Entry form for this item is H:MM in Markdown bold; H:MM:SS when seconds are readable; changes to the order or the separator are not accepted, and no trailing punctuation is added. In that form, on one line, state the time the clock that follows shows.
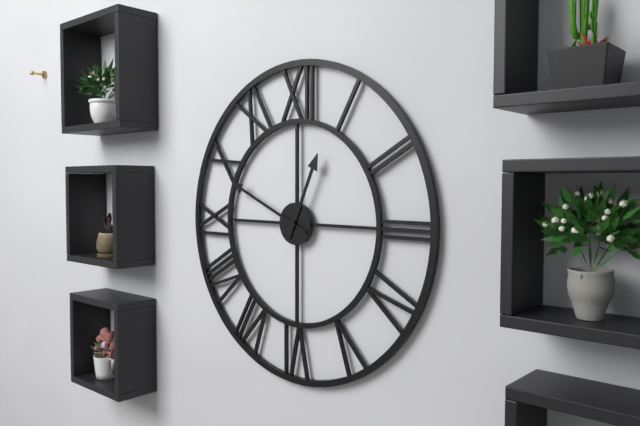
**12:49**
